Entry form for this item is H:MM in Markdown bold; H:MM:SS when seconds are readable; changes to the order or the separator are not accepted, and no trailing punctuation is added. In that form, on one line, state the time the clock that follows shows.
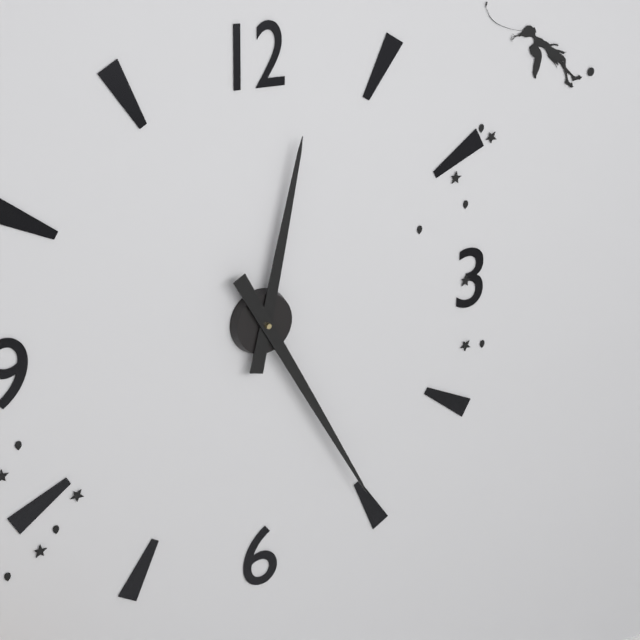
**12:25**
